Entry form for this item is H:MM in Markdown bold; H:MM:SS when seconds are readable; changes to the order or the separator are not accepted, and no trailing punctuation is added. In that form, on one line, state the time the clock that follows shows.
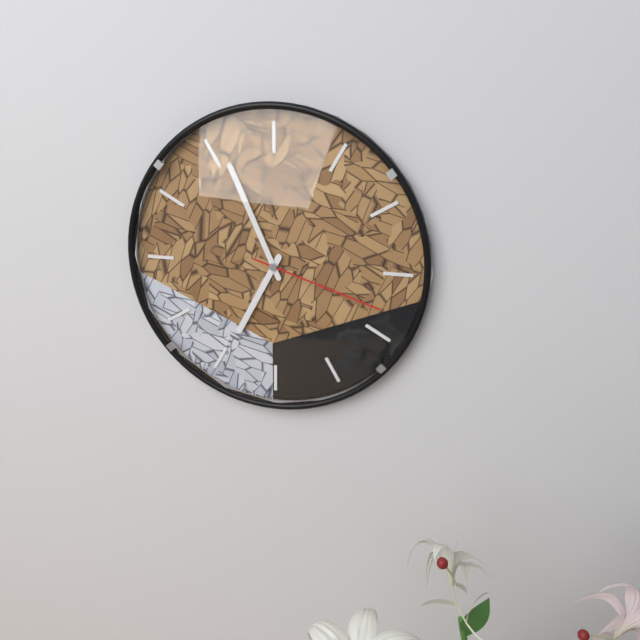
**6:56:18**
